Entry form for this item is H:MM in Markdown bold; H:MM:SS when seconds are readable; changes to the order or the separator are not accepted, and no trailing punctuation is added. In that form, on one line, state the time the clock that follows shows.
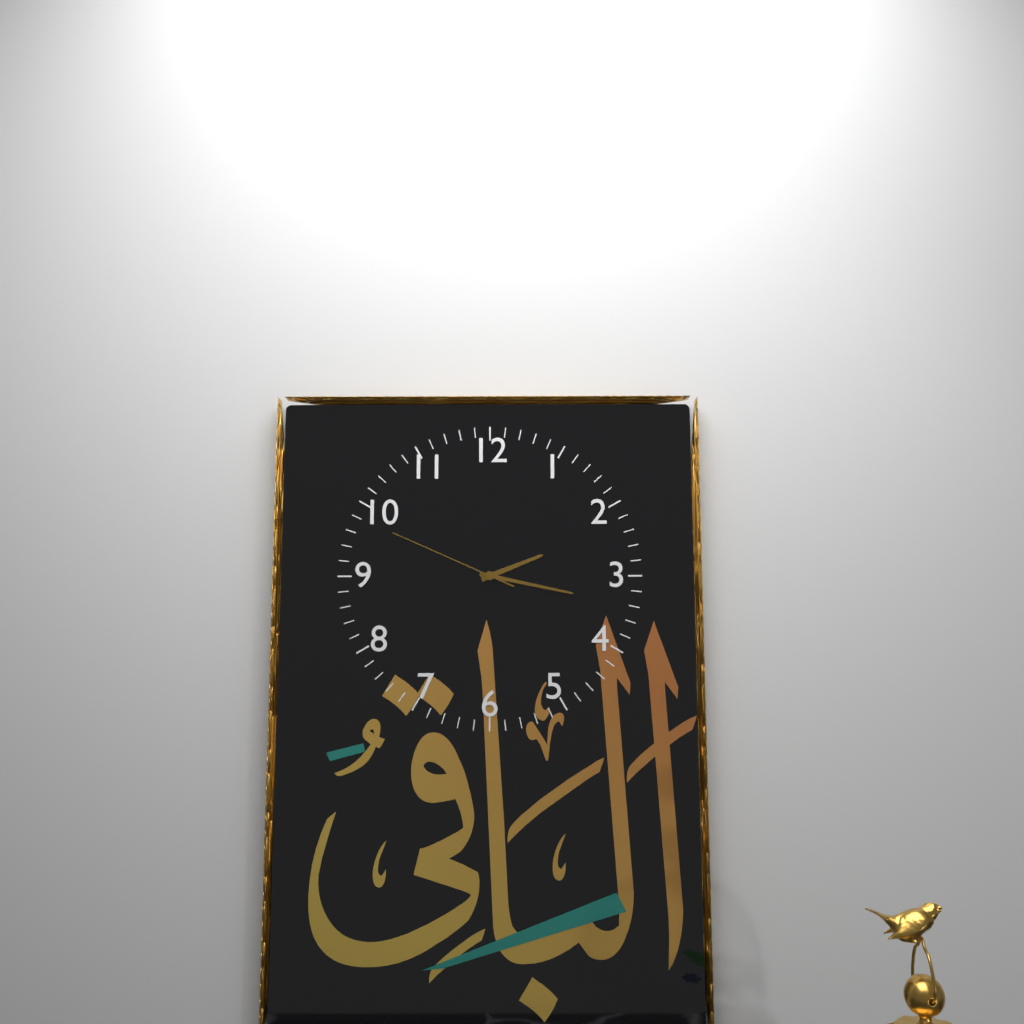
**2:17:49**
